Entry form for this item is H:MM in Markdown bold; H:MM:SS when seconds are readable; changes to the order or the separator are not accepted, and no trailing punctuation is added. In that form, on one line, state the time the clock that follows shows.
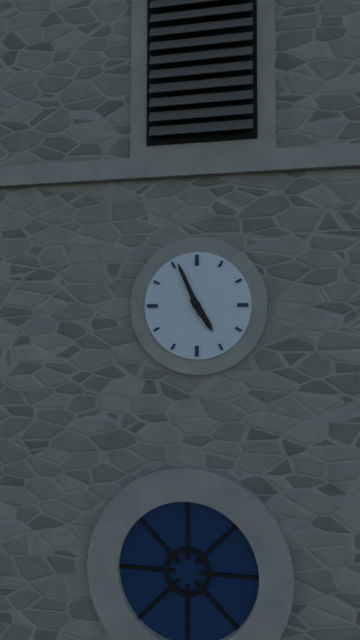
**4:56**
